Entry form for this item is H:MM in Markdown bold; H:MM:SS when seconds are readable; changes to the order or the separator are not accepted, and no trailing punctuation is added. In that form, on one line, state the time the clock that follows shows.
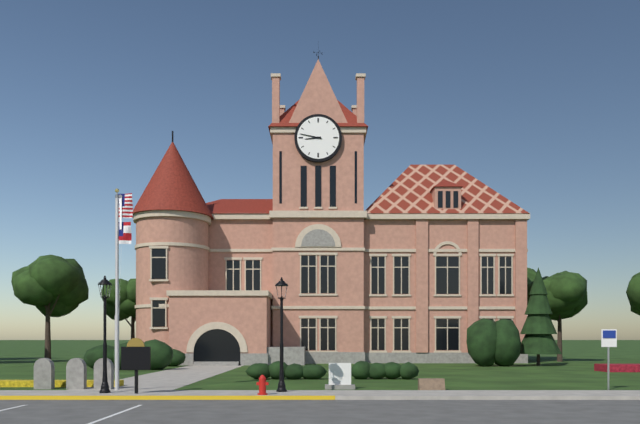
**8:47**
